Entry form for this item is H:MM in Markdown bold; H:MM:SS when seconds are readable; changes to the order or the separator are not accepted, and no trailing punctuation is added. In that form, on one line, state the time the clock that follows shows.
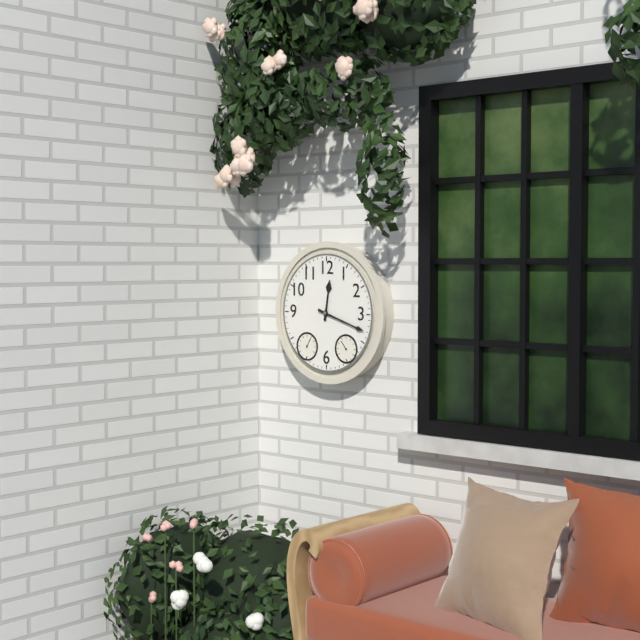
**12:18**
